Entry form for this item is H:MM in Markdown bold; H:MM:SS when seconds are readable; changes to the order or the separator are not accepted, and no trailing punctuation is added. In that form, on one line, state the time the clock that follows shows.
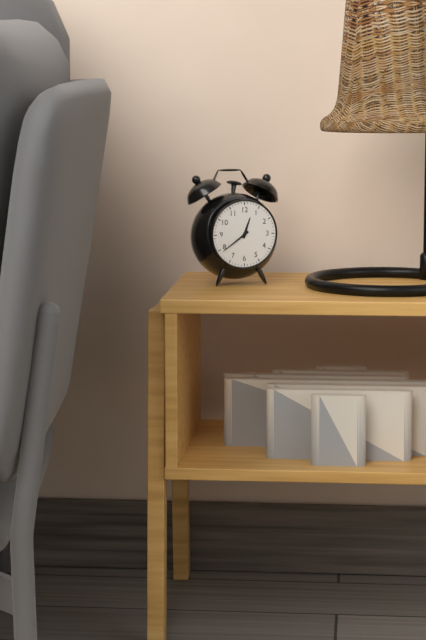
**12:39**
